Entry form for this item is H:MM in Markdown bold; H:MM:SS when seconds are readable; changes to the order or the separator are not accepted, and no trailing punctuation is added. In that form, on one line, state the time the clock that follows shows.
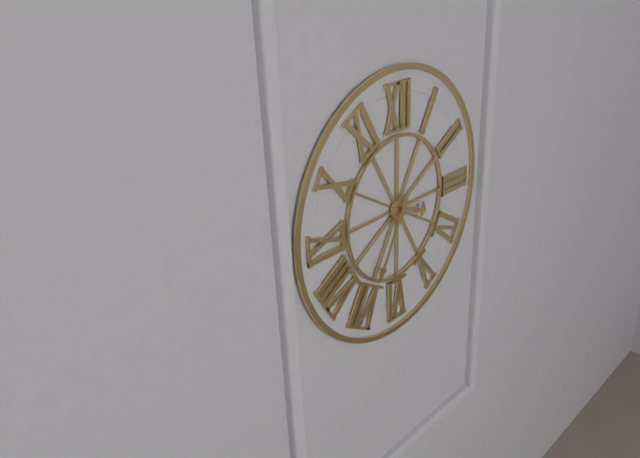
**3:35**
